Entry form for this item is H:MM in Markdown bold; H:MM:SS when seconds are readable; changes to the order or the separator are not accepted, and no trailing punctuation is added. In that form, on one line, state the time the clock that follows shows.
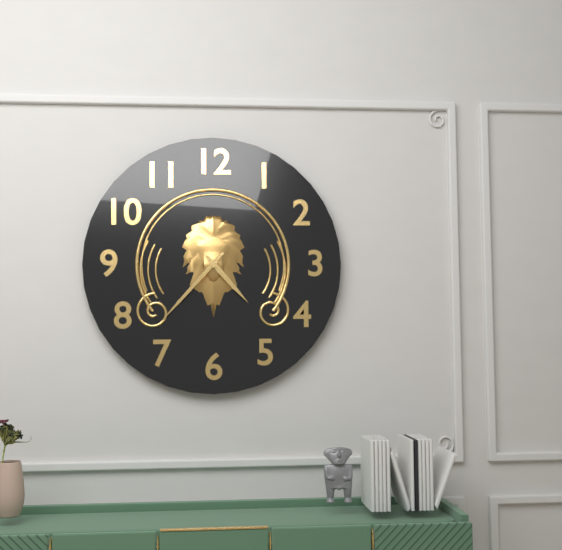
**4:37**
